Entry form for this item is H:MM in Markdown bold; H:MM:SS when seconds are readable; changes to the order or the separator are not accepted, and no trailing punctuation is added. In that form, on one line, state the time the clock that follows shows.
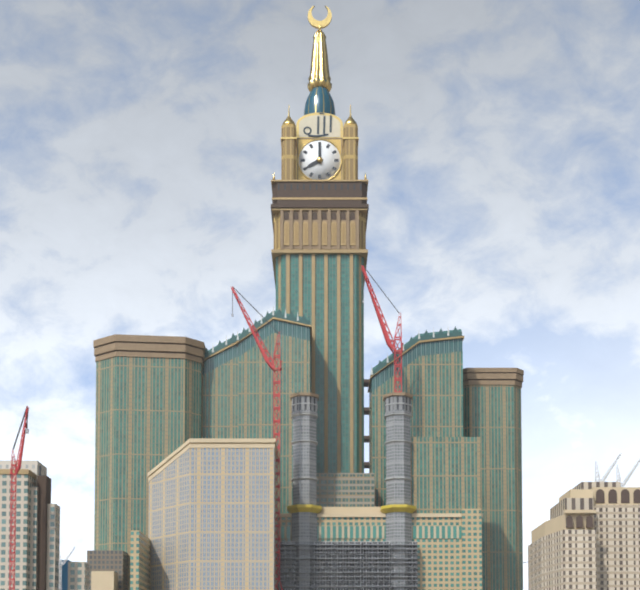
**8:00**
